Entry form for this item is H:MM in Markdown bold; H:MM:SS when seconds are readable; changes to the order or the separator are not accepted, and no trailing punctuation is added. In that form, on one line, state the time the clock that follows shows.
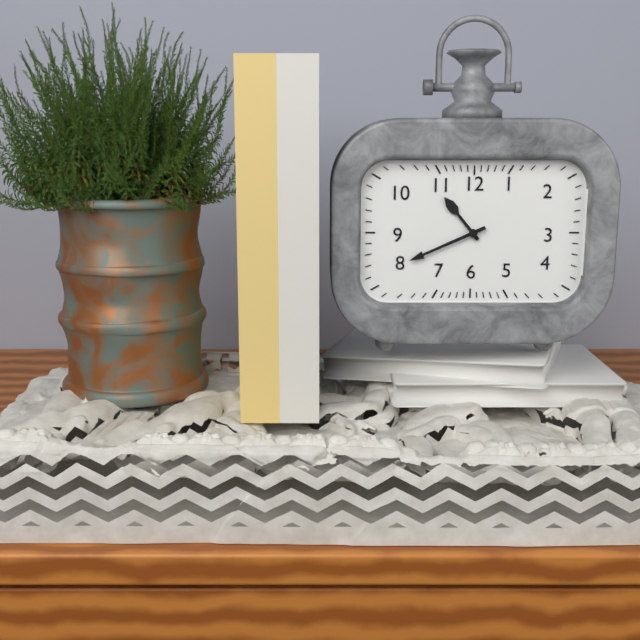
**10:41**
